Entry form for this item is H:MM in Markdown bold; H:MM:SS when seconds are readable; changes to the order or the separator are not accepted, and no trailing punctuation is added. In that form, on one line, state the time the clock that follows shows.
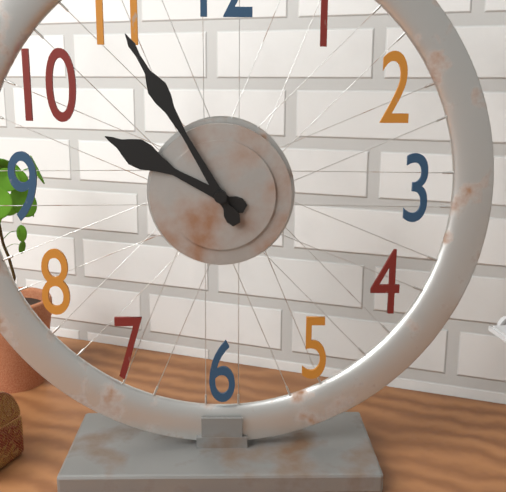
**9:55**
